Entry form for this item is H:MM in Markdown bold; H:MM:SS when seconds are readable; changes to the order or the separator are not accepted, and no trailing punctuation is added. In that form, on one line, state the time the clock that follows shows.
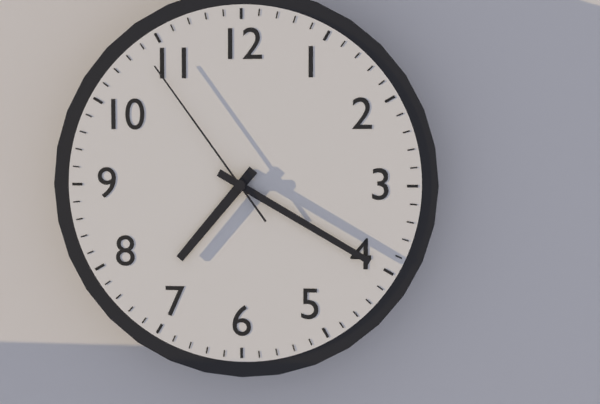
**7:20:54**
